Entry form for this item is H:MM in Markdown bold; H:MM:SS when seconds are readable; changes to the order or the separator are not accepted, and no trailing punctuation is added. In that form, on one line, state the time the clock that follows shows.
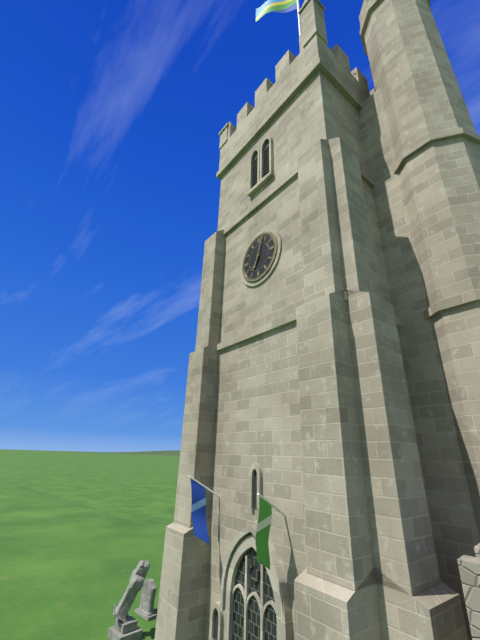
**7:03**
